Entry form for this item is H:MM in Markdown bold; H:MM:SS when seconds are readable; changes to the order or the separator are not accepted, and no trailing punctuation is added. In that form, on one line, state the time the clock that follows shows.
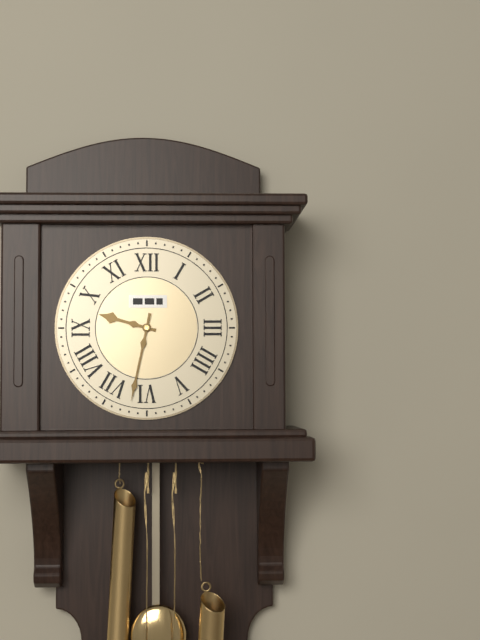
**9:32**
